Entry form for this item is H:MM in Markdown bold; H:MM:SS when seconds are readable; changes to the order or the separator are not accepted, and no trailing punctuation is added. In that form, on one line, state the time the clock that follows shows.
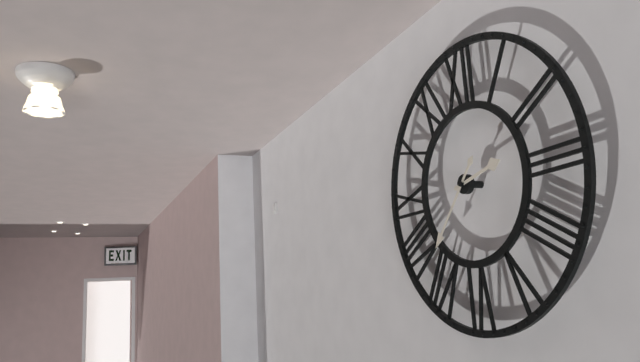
**2:37**
